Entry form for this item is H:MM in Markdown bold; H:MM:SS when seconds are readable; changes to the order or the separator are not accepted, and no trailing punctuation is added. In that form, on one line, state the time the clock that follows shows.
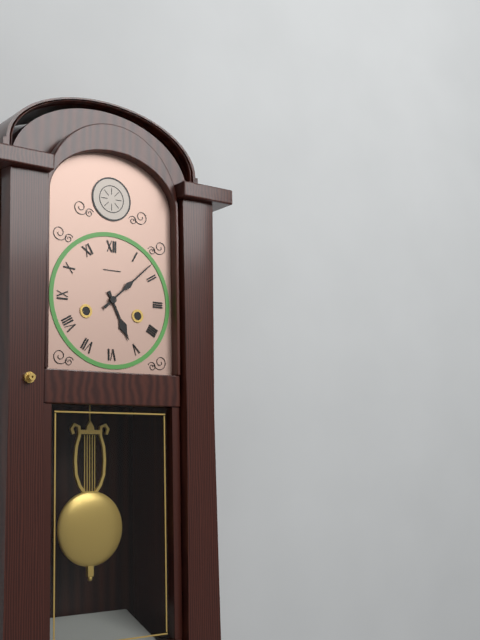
**5:08**
